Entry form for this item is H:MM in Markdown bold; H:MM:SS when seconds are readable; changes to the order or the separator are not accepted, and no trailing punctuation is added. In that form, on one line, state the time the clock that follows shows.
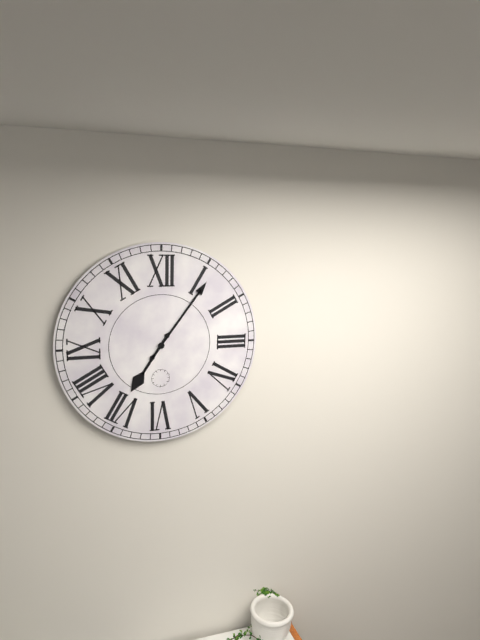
**7:06**
